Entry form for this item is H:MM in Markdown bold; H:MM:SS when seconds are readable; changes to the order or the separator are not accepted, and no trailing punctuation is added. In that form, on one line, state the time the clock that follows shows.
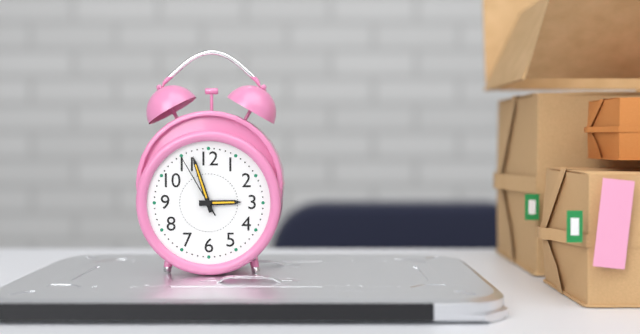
**2:57:55**
